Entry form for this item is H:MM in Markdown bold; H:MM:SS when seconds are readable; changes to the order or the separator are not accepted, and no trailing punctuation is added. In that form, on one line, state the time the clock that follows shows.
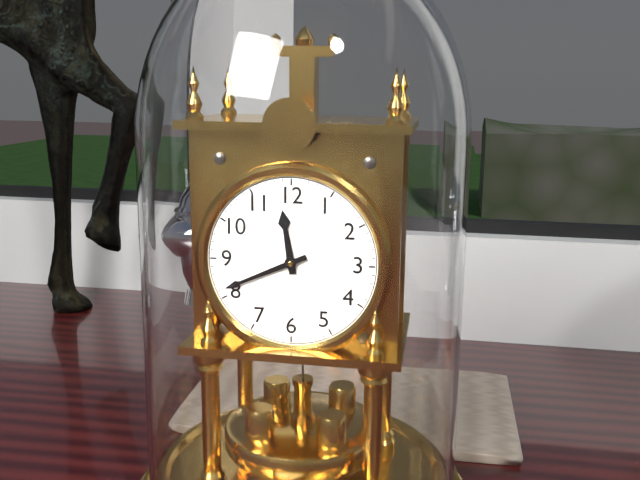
**11:41**
